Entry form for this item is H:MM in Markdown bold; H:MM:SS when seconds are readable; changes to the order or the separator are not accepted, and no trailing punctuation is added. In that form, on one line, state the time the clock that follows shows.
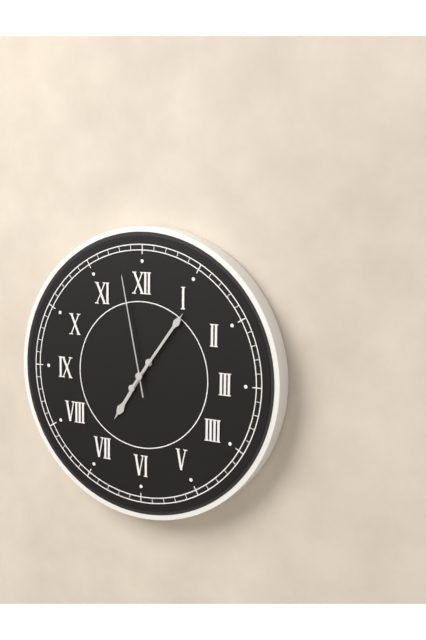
**7:06:58**
